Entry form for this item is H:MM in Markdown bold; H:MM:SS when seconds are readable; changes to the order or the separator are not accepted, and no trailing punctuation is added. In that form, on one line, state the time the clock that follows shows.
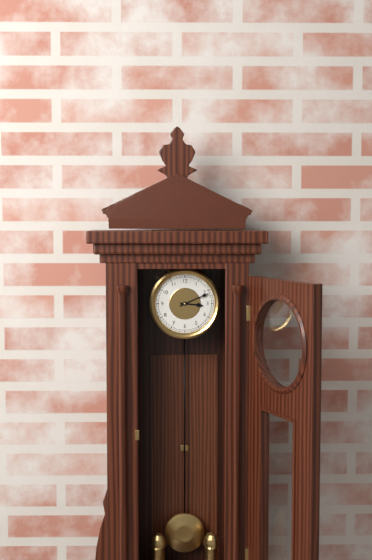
**3:11**
